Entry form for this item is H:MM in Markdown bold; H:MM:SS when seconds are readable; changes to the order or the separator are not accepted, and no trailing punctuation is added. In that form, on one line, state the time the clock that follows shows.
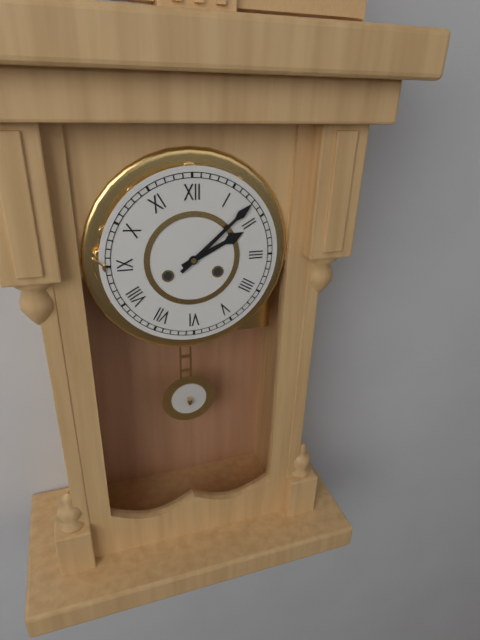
**2:08**
